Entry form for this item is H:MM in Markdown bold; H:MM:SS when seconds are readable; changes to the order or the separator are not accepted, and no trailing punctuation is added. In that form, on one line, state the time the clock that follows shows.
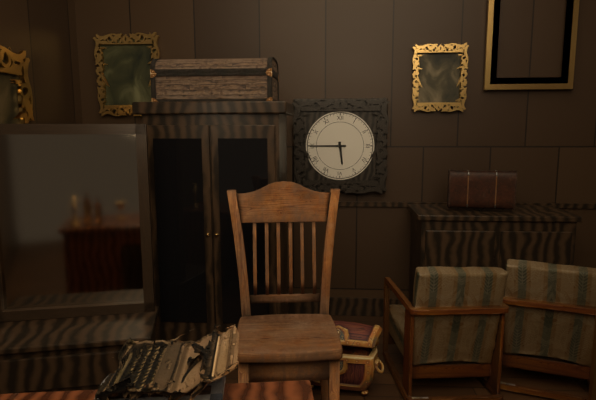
**5:45**
